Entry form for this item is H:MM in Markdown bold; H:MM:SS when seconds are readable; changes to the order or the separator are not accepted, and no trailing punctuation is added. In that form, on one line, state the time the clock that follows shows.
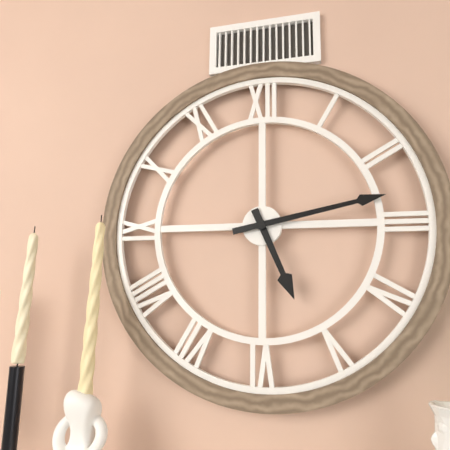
**5:13**
